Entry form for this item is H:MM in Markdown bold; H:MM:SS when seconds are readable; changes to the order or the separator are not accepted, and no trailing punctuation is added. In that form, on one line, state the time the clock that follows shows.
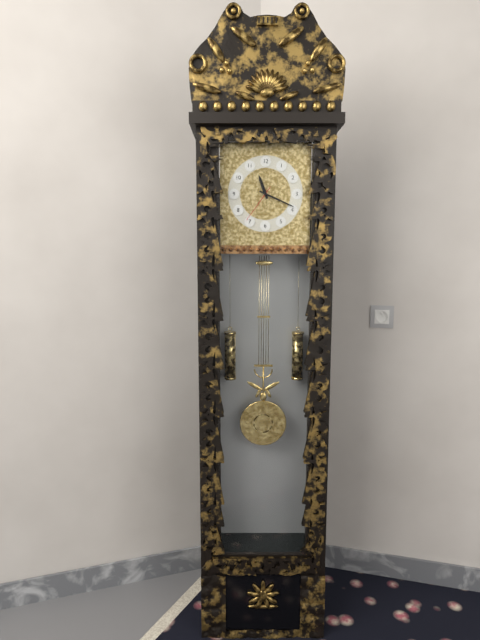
**11:19**
